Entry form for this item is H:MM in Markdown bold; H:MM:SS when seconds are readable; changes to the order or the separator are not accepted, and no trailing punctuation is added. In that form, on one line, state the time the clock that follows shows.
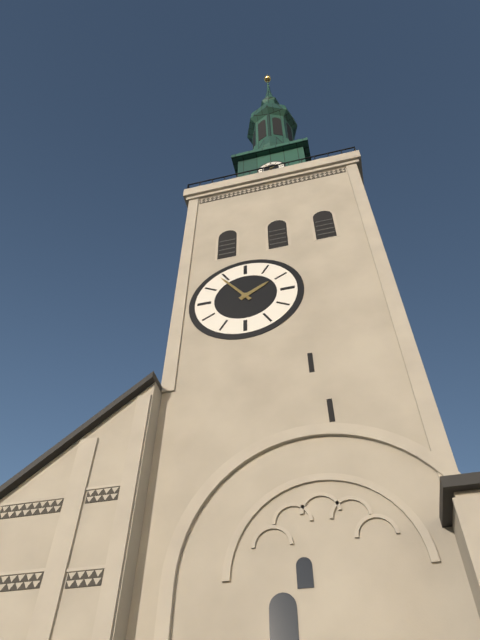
**1:54**
